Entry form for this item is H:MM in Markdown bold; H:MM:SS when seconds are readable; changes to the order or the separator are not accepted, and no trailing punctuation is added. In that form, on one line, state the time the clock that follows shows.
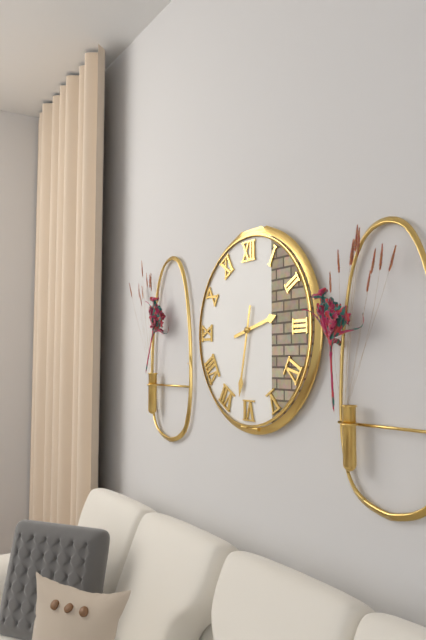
**2:32**
